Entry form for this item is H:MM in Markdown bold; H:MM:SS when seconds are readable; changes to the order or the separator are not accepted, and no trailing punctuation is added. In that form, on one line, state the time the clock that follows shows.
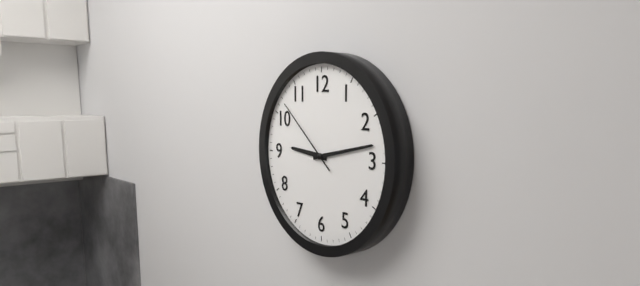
**9:13:52**
